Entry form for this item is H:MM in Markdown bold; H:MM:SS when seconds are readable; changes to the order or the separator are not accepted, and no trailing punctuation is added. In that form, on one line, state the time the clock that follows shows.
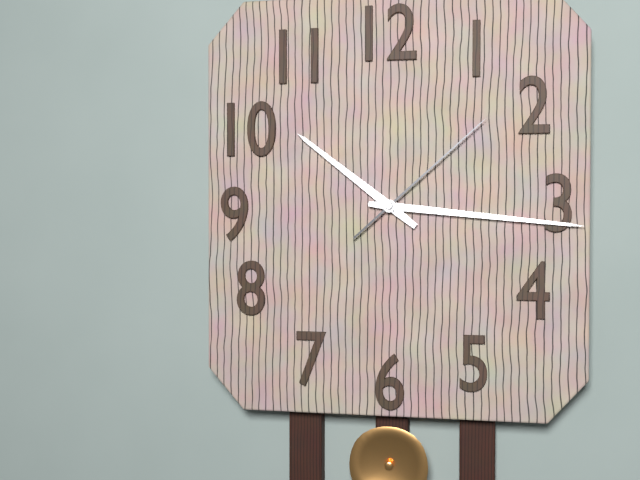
**10:16:08**
